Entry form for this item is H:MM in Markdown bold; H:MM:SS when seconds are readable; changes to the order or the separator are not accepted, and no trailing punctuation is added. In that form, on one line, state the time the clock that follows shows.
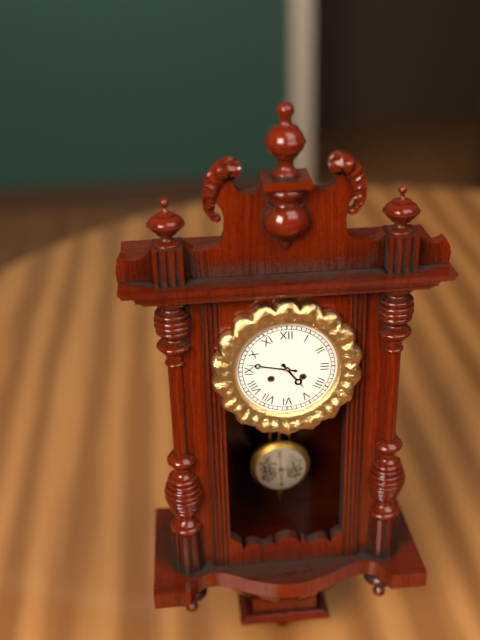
**4:47**
